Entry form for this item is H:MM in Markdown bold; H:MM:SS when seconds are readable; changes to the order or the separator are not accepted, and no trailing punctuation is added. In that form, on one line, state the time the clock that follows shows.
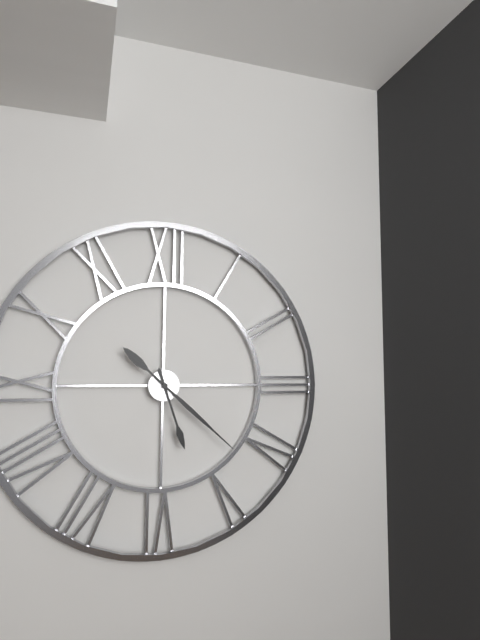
**5:22**
